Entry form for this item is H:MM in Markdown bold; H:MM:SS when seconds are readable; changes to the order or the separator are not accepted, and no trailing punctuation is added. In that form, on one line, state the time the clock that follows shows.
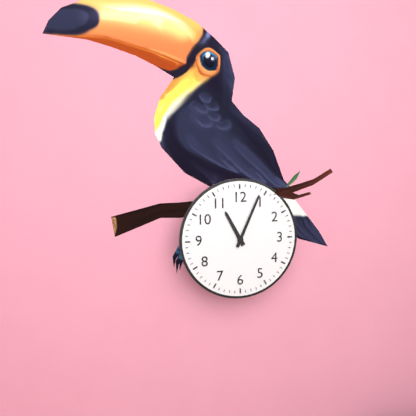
**11:04**
